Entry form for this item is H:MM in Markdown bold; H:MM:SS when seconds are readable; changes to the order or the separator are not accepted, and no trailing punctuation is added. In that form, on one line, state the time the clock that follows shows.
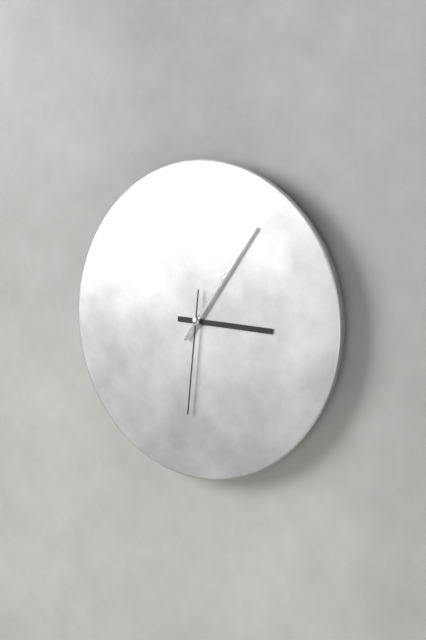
**3:06:31**
